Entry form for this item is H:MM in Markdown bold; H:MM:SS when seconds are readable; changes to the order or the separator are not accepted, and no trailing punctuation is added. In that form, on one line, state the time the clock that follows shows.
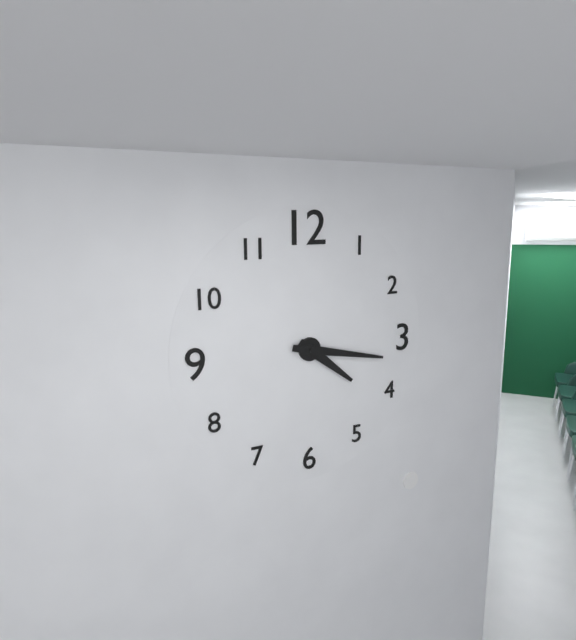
**4:17**
